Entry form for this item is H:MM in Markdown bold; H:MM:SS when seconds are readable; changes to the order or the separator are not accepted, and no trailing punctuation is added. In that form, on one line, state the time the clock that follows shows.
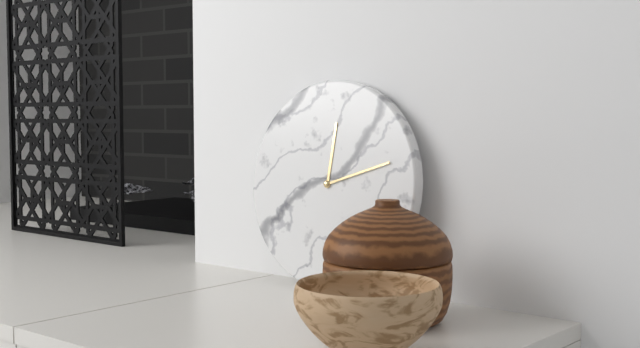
**12:12**
